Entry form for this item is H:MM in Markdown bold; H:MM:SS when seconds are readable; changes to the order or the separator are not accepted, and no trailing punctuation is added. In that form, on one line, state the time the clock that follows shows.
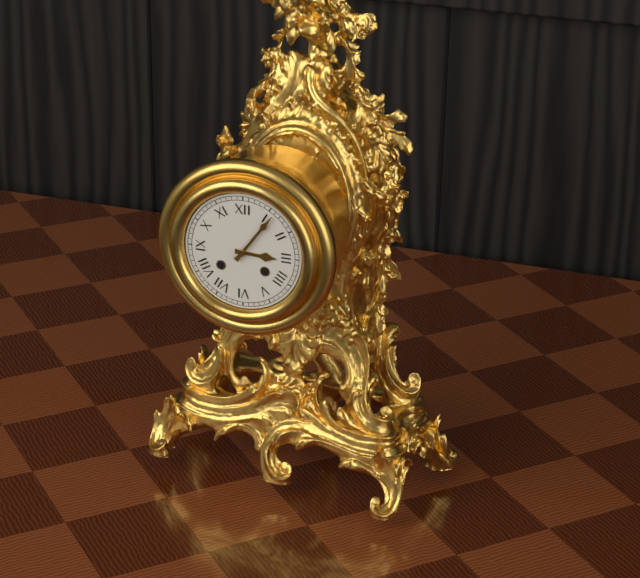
**3:06**
